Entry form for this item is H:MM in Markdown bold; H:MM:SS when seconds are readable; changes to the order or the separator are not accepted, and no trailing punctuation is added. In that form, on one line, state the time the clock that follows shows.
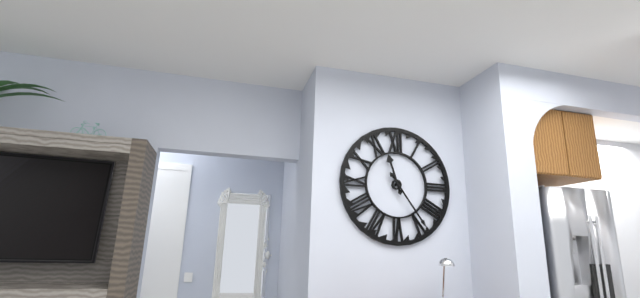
**11:24**
